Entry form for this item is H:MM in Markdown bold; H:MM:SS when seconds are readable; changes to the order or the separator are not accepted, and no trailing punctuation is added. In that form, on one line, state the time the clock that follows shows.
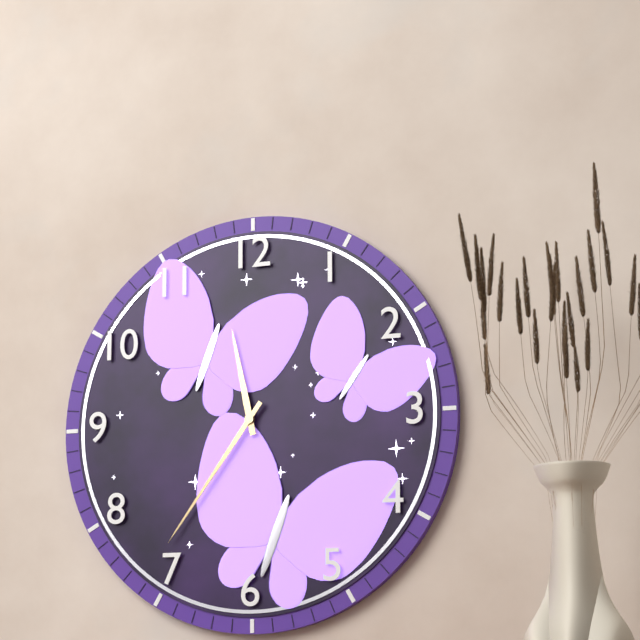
**11:36**
